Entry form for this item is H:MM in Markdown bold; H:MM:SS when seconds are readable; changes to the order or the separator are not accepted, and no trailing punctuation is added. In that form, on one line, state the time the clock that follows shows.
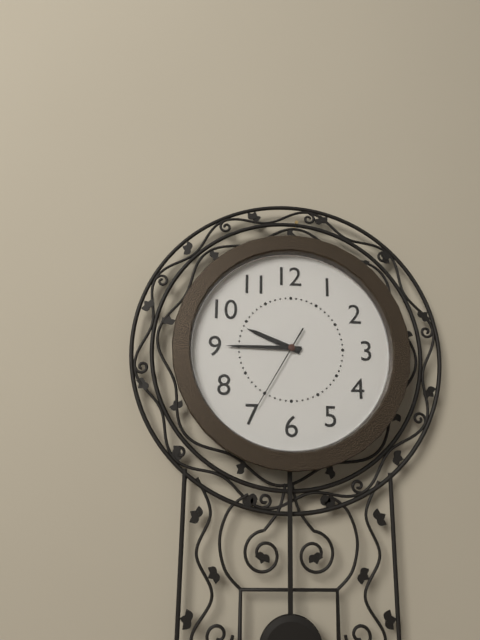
**9:45:35**
